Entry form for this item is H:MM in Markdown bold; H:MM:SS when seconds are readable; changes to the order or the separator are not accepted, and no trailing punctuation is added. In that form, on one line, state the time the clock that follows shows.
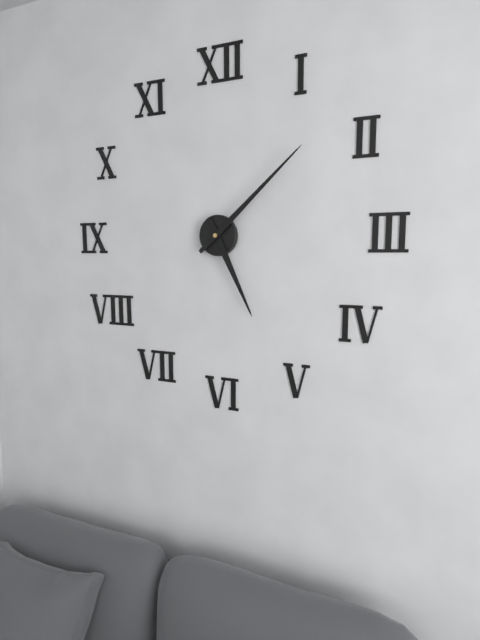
**5:08**
